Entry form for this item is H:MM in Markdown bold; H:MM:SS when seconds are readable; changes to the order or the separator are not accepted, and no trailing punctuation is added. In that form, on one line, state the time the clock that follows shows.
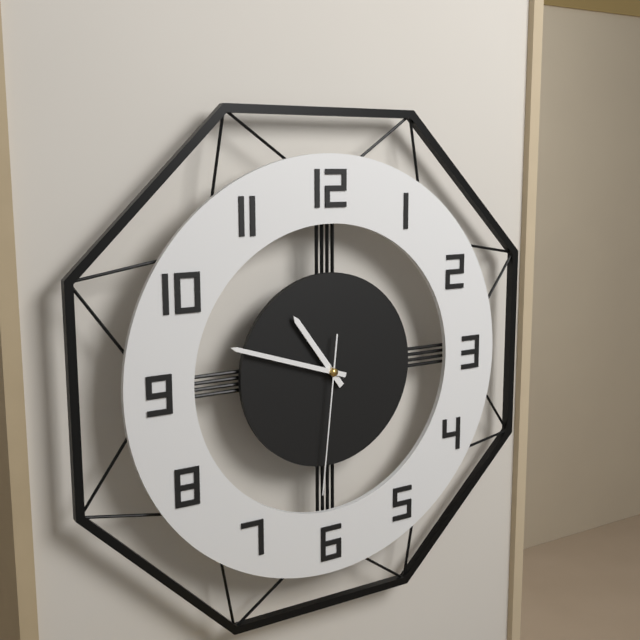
**10:48:31**
